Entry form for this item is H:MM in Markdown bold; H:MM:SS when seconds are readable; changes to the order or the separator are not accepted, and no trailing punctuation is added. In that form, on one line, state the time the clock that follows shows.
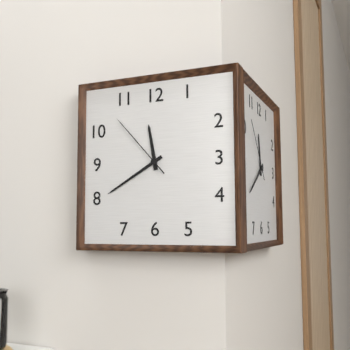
**11:40:53**
